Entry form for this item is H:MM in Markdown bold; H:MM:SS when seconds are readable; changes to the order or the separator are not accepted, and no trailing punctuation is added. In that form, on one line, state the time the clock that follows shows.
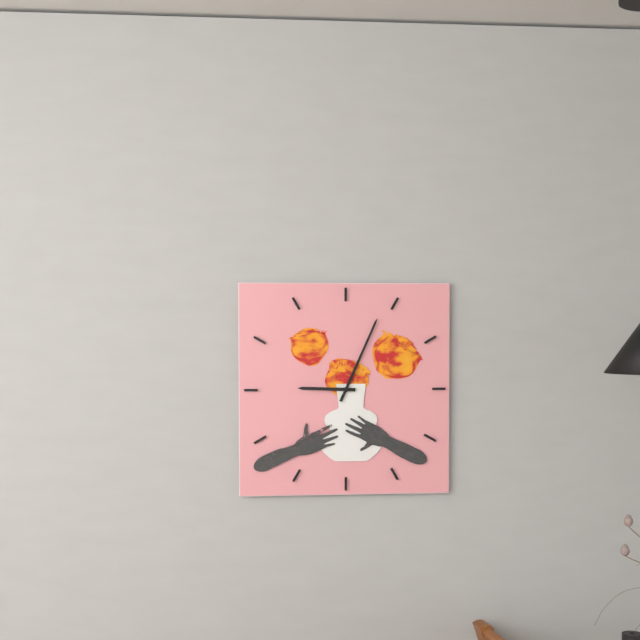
**9:04**
